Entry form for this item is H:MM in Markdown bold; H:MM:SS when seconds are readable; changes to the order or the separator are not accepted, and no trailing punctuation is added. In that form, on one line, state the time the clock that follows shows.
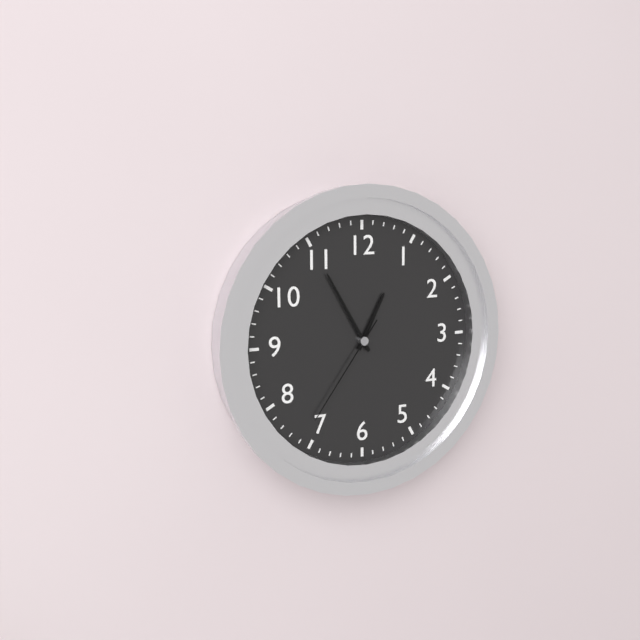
**12:55:36**
